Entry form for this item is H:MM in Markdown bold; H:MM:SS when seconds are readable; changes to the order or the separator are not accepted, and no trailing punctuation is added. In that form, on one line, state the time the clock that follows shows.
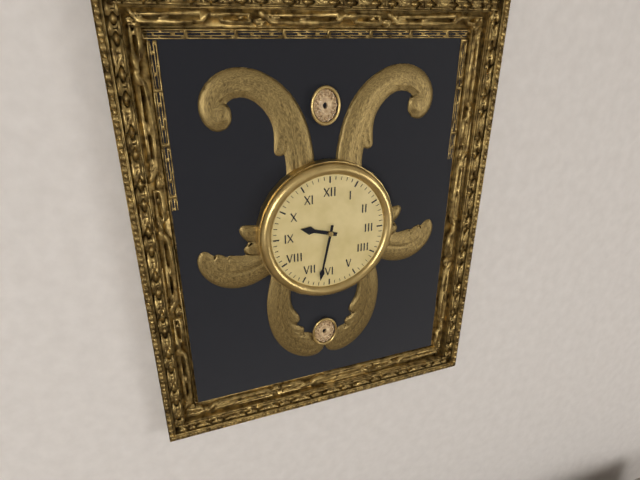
**9:32**
